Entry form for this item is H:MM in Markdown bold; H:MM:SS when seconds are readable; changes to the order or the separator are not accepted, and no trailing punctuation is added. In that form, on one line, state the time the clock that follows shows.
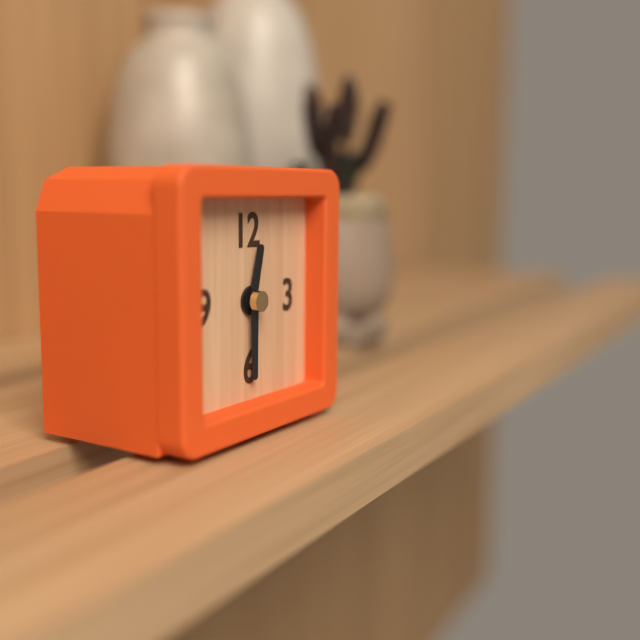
**12:30**
